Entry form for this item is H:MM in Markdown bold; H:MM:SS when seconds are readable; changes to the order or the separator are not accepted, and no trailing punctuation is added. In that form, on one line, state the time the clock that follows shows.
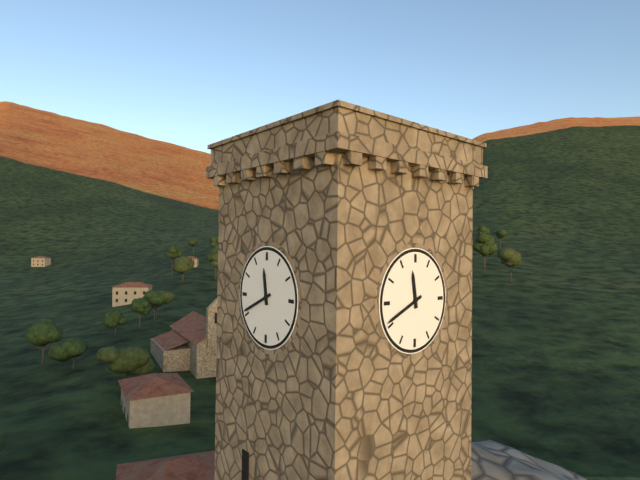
**11:41**
